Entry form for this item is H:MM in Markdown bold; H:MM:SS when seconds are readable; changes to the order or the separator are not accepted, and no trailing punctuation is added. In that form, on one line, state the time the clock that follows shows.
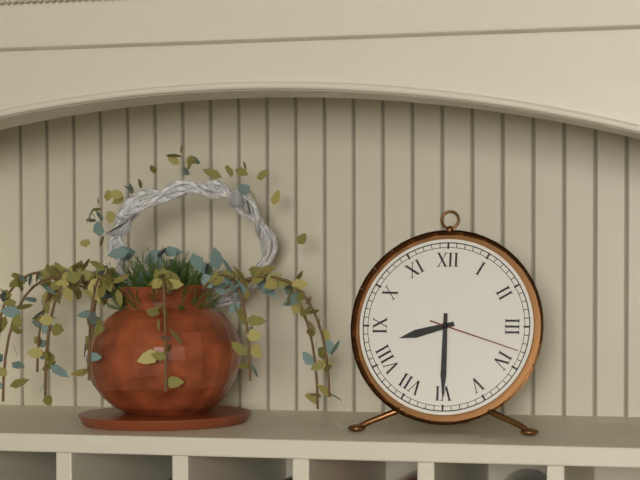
**8:30:18**
